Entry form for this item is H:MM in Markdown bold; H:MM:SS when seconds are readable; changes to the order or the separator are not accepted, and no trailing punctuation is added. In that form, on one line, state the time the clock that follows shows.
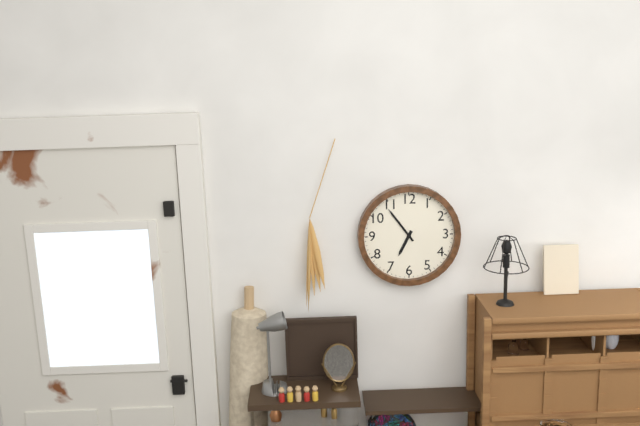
**6:54**
